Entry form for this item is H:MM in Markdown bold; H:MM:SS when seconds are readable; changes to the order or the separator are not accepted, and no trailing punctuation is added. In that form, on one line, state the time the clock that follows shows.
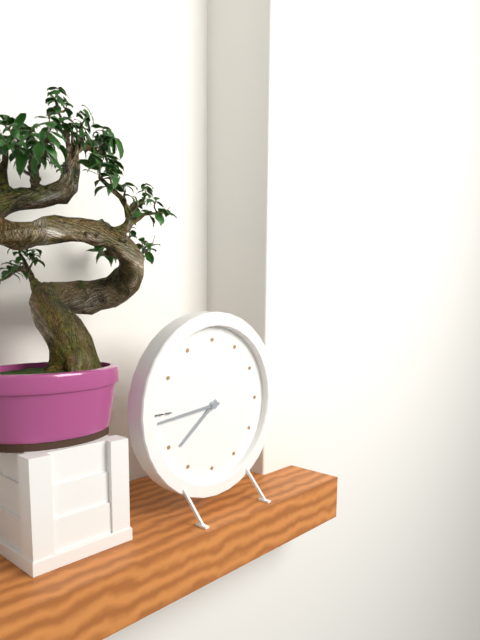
**7:44**
